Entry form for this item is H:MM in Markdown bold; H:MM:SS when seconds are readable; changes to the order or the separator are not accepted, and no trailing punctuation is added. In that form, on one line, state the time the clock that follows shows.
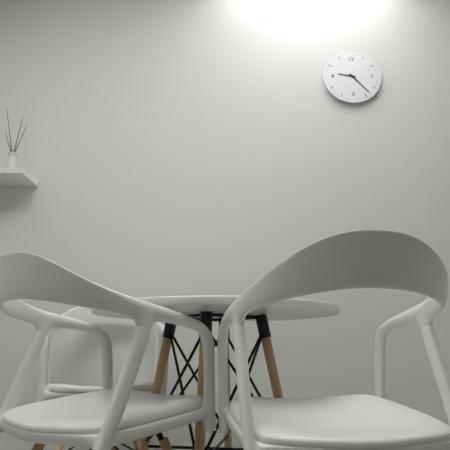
**9:23**
